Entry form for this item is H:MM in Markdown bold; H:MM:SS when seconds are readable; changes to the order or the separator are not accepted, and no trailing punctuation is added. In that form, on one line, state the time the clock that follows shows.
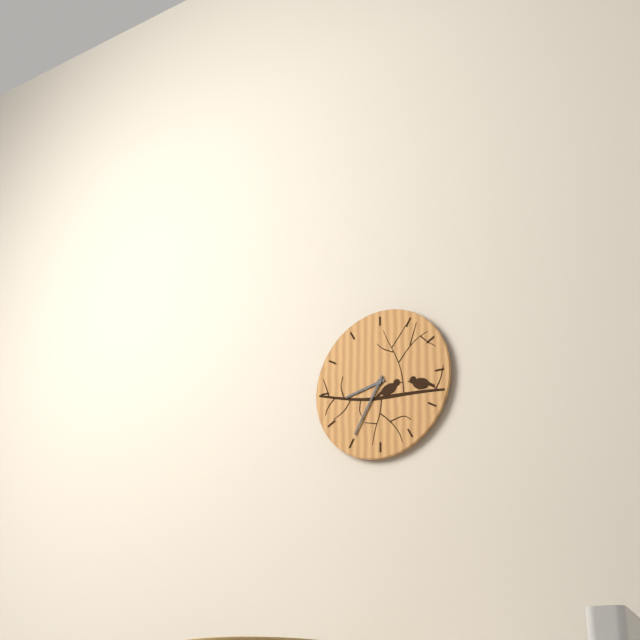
**8:35**
